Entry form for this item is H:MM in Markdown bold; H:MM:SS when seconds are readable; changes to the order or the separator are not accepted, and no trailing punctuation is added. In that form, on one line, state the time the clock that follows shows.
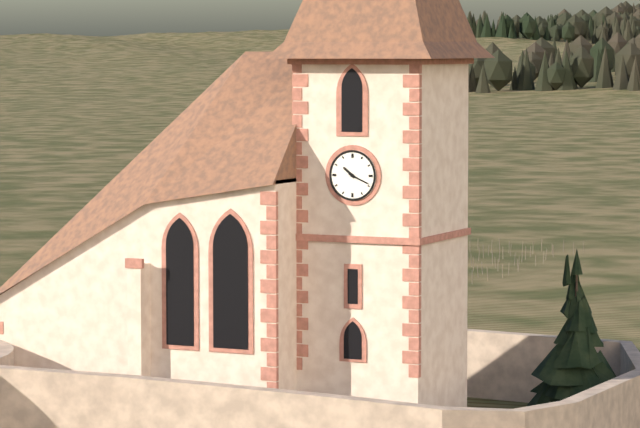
**10:19**
